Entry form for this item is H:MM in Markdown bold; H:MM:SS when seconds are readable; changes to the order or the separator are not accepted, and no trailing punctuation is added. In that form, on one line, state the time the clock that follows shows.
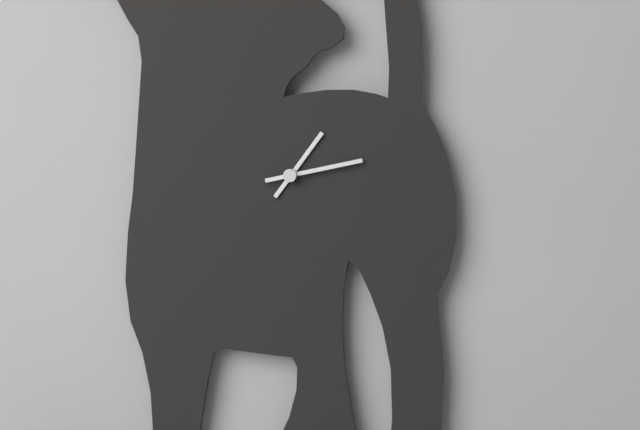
**1:13**
